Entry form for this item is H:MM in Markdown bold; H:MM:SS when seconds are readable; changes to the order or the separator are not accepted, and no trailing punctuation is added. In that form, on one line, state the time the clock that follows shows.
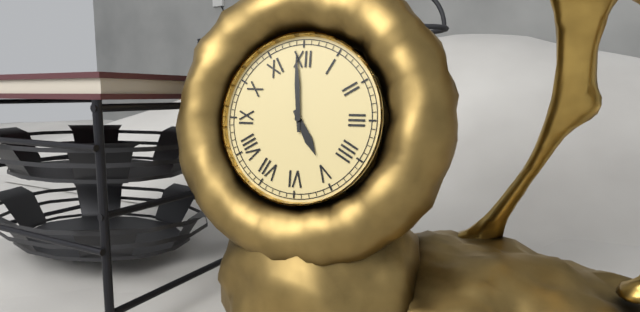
**4:59**
